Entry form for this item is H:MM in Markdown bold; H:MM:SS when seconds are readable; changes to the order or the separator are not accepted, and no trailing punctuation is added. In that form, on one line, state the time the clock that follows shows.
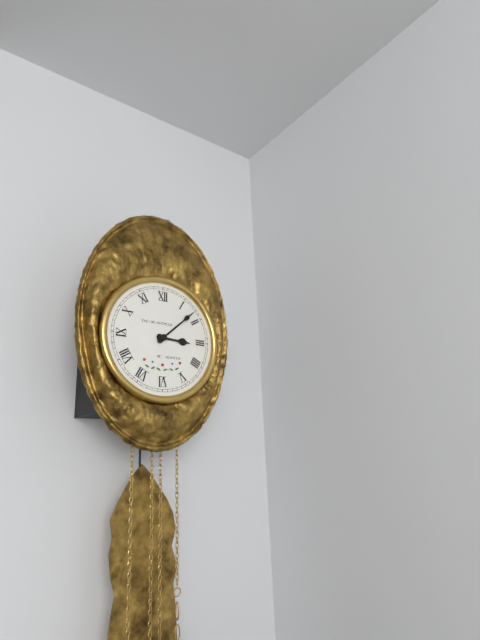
**3:08**
